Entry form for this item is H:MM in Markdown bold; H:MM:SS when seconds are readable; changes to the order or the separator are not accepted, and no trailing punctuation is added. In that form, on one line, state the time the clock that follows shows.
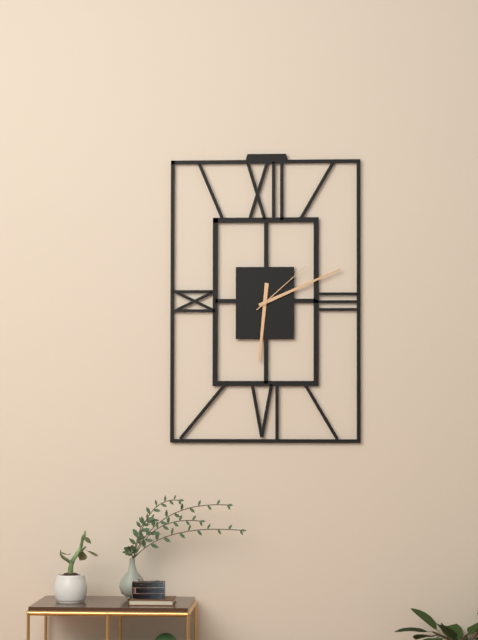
**6:11:08**
